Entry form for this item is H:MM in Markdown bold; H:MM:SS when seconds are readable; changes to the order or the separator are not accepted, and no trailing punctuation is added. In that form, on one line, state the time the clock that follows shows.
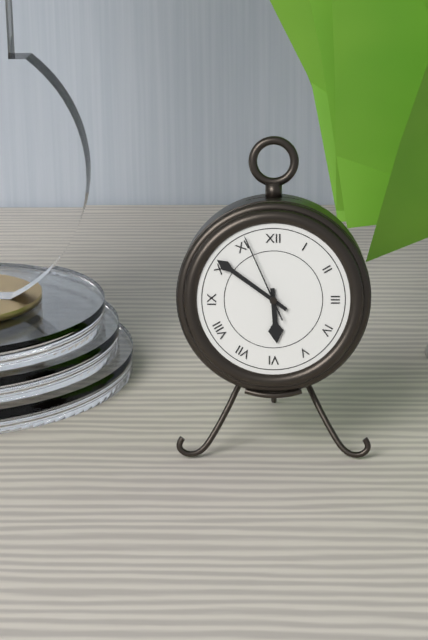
**5:51:56**
